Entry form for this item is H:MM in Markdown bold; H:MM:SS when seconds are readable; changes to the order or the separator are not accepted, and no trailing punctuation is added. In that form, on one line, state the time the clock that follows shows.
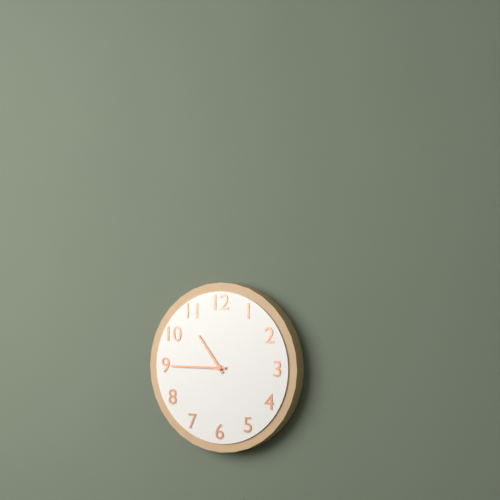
**10:45**
